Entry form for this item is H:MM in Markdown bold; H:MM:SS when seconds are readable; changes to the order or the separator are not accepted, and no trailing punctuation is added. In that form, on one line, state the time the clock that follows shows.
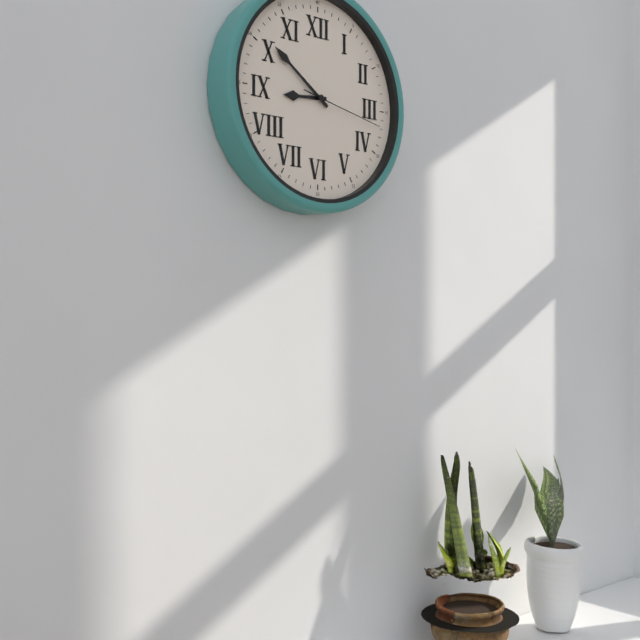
**8:51:17**
